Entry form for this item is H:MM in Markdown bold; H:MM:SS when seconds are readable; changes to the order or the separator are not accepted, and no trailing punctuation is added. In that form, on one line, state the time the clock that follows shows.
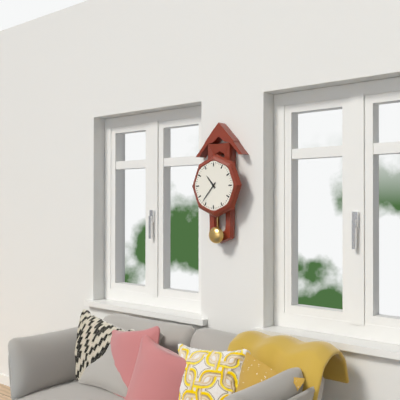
**10:37**
